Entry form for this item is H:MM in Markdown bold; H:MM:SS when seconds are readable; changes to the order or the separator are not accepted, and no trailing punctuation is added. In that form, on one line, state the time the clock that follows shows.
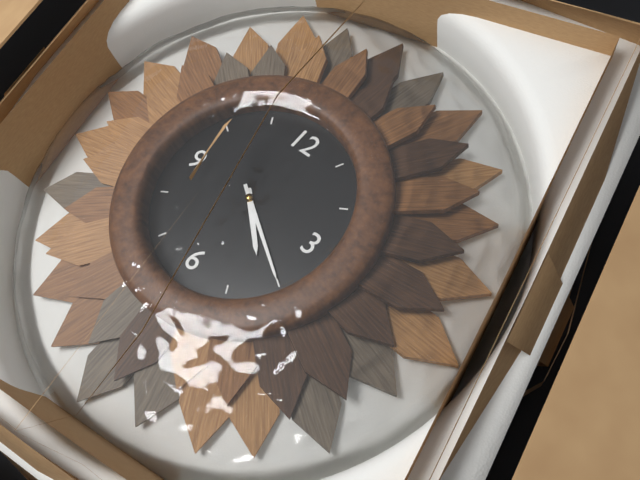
**4:20**
